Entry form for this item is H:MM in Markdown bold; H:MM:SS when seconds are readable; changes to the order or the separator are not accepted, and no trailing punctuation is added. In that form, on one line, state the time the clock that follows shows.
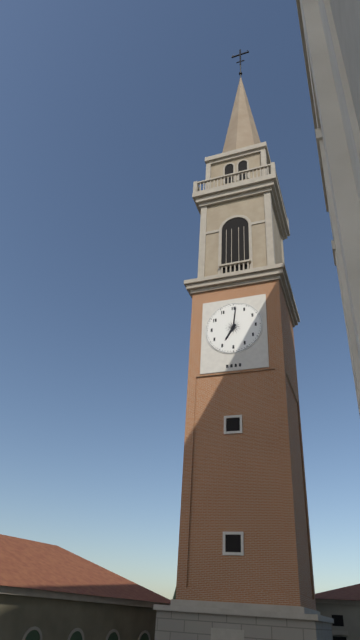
**7:01**
